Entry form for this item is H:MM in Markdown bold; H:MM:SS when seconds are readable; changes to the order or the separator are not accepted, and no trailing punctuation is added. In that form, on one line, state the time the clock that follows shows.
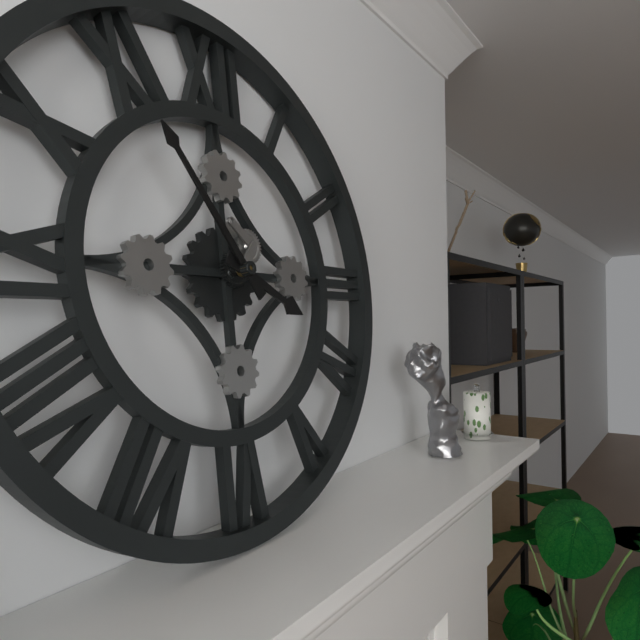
**3:54**
